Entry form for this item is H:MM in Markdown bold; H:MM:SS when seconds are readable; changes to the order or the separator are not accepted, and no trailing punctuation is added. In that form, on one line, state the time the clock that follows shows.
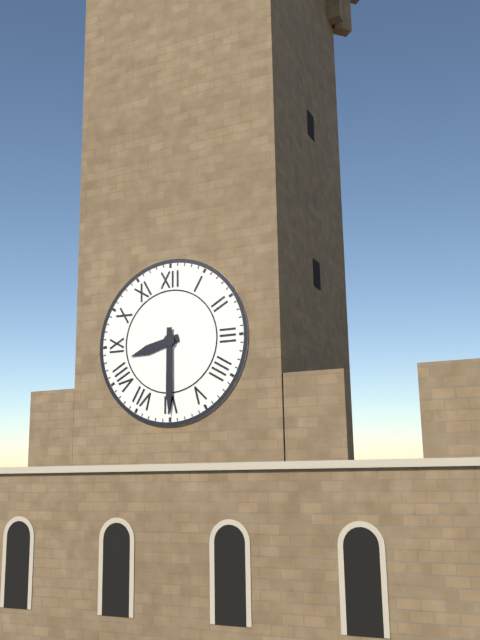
**8:30**
